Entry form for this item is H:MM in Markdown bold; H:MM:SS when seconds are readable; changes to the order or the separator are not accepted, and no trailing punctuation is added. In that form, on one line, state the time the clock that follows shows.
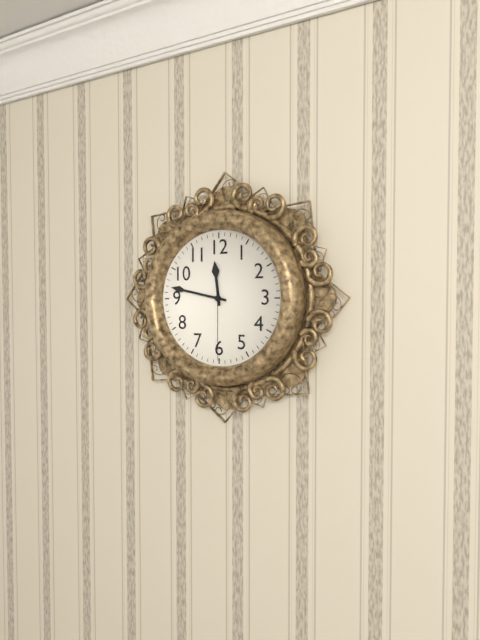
**11:47:30**
